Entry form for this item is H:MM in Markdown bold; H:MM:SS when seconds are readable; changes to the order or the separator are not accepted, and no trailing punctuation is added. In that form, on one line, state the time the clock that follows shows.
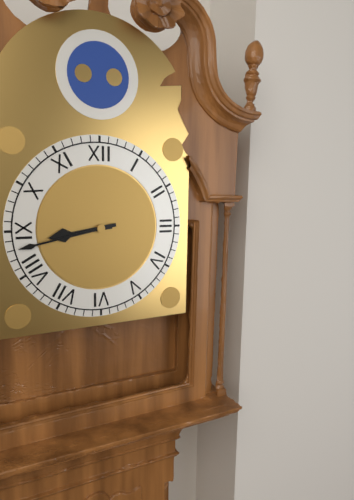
**8:43**
